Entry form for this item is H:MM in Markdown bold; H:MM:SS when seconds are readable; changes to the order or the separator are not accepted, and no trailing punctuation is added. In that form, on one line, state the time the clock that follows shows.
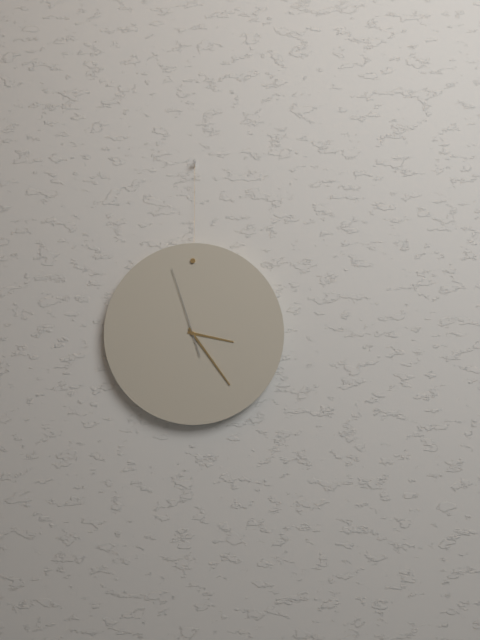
**3:24:57**
